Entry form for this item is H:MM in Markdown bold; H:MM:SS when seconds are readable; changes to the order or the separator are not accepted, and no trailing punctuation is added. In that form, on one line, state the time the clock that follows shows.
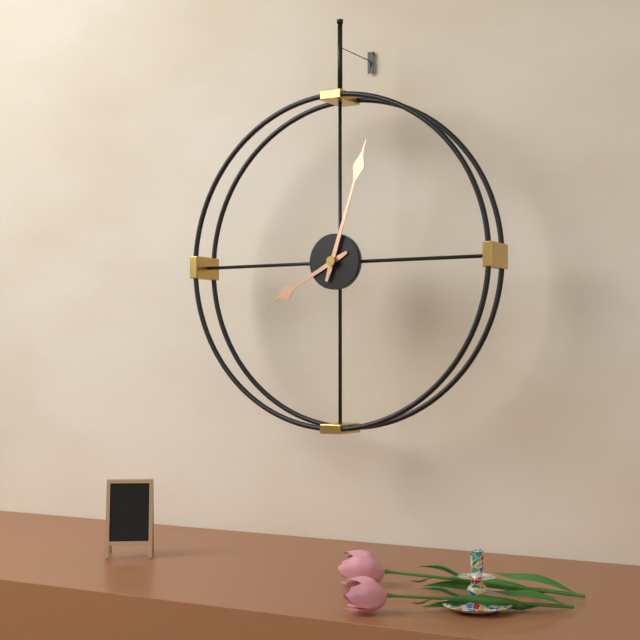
**8:03**
